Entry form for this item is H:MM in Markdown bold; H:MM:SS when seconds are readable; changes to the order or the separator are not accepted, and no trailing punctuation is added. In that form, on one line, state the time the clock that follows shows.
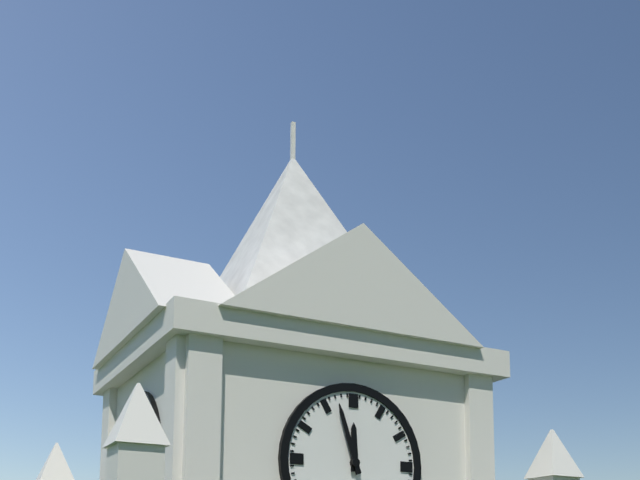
**11:57**
